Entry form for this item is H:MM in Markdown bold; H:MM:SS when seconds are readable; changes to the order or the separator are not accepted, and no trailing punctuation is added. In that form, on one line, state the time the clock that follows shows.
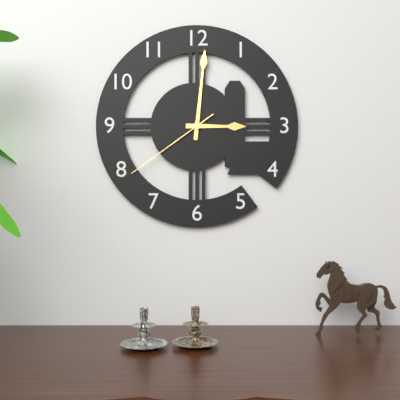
**3:01:39**
